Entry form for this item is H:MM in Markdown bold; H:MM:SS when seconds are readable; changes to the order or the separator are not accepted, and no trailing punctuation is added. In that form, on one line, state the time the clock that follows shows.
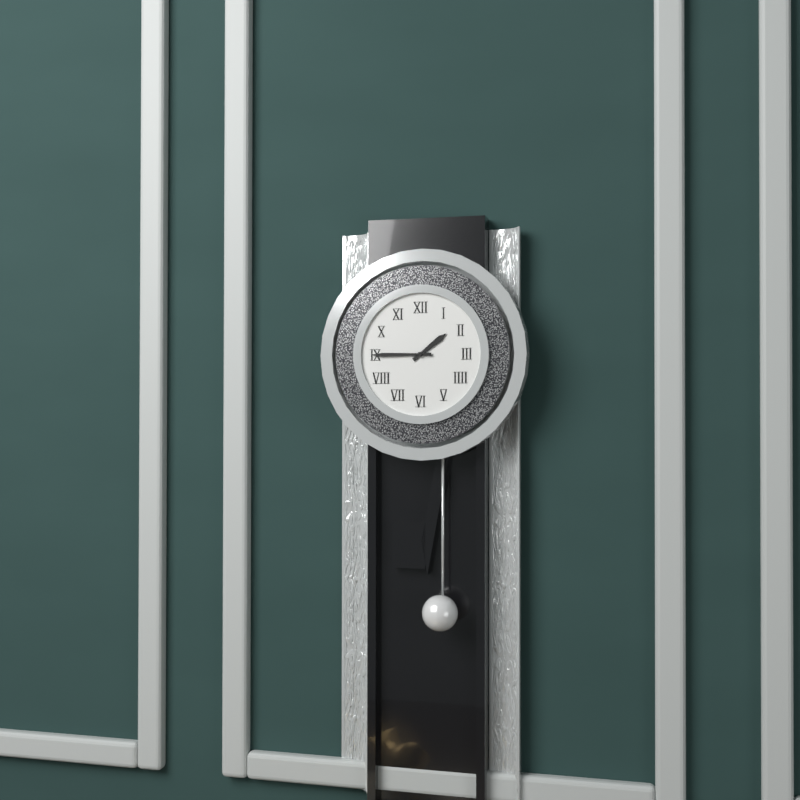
**1:45**
